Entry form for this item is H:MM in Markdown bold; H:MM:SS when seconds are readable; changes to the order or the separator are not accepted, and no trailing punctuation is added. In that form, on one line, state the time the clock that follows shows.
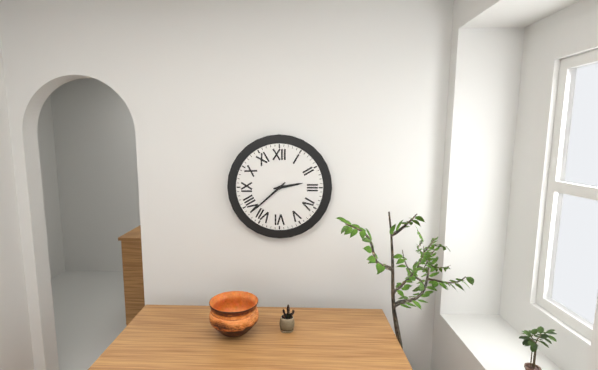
**2:38**
